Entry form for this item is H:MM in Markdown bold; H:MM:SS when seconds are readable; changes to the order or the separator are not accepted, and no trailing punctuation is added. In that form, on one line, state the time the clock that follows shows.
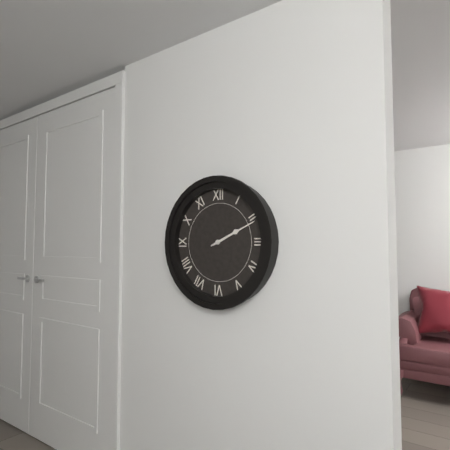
**2:11**
